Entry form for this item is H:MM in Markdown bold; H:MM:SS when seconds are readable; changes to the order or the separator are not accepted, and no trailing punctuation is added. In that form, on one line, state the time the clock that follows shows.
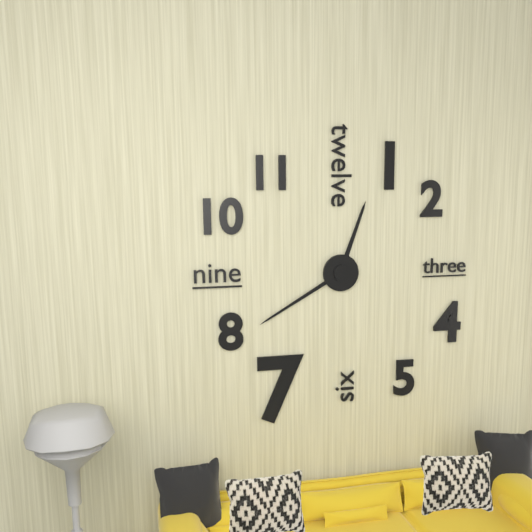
**12:40**
